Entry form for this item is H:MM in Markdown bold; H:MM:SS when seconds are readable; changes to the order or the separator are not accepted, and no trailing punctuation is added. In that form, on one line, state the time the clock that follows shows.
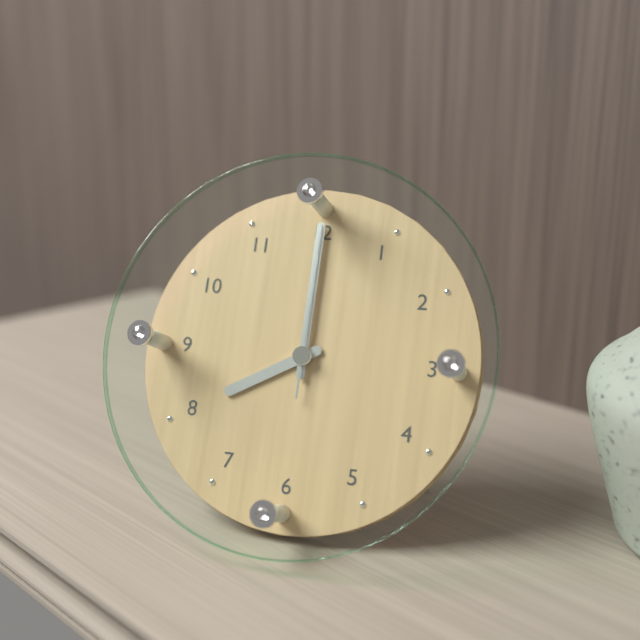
**8:00:00**
